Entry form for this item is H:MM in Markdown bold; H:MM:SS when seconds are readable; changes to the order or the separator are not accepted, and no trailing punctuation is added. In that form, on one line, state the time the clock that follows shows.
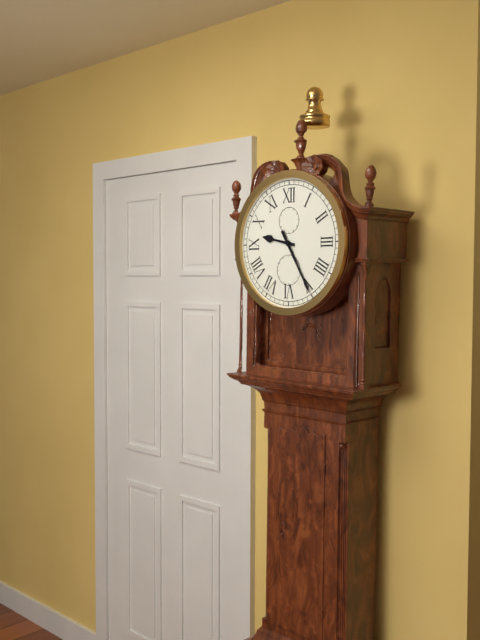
**9:25**
